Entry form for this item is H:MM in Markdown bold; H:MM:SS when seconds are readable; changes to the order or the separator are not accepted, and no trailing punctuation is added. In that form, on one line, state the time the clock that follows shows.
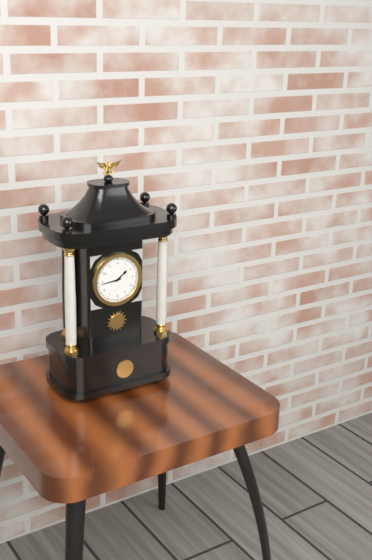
**1:44**
